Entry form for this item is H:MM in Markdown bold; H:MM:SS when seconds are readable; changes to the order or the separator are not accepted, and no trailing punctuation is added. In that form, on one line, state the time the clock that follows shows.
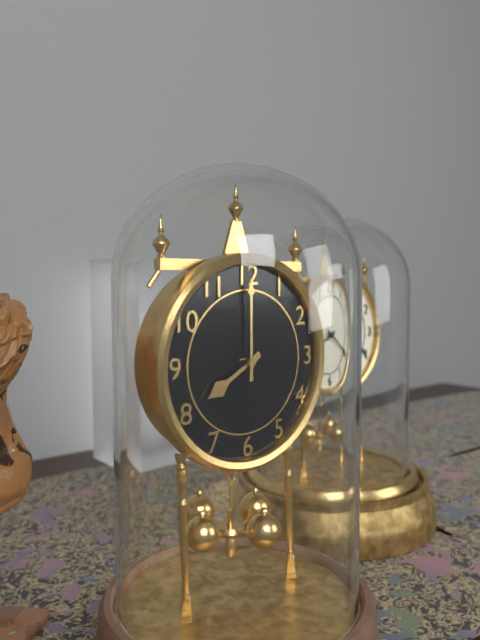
**8:00**
